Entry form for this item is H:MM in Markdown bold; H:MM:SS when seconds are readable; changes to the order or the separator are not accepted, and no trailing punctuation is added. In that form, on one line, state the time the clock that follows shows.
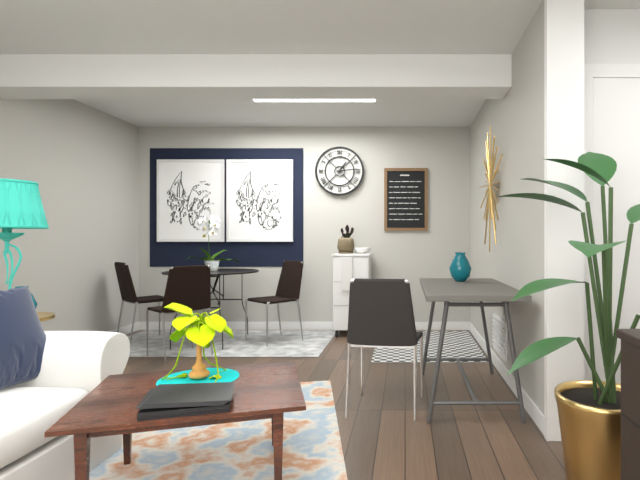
**1:14**
